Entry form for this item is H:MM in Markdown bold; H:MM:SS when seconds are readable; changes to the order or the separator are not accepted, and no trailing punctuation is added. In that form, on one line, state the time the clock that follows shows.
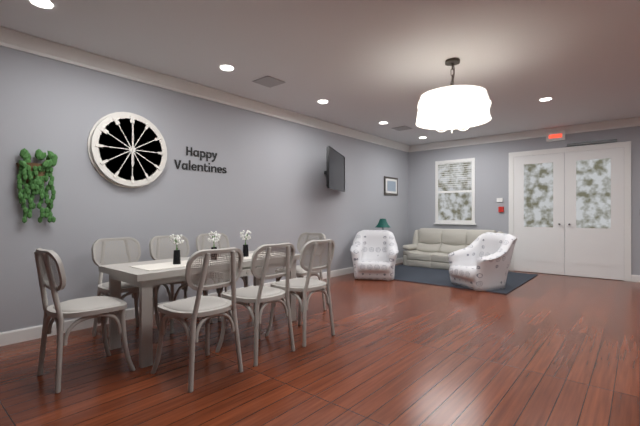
**6:00**
